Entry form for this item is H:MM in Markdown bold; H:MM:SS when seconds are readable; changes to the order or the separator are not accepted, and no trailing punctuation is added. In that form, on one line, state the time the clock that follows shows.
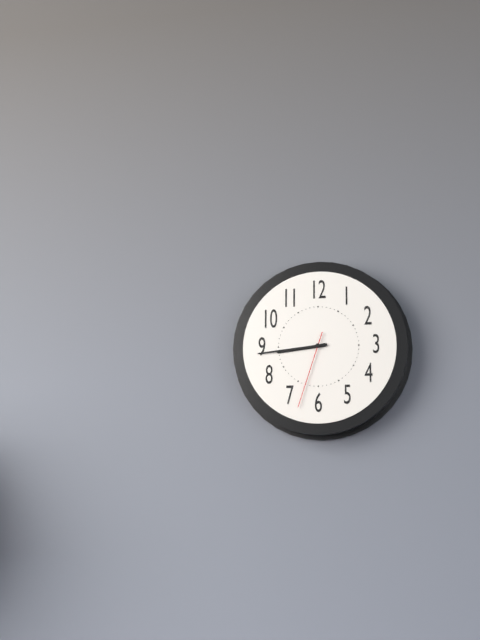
**8:44:33**
